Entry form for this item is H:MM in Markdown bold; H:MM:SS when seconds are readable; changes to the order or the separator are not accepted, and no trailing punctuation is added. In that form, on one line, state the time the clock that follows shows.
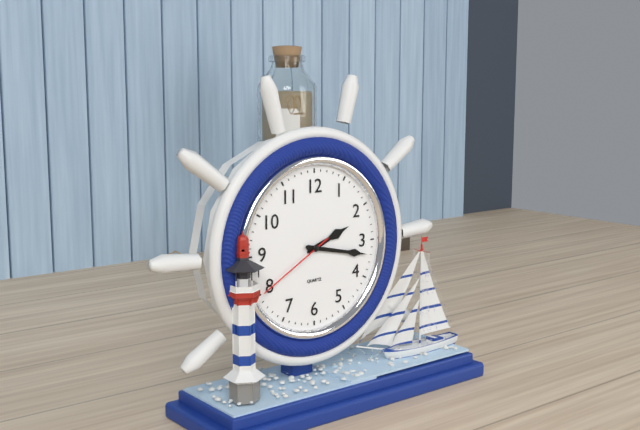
**2:17:40**
